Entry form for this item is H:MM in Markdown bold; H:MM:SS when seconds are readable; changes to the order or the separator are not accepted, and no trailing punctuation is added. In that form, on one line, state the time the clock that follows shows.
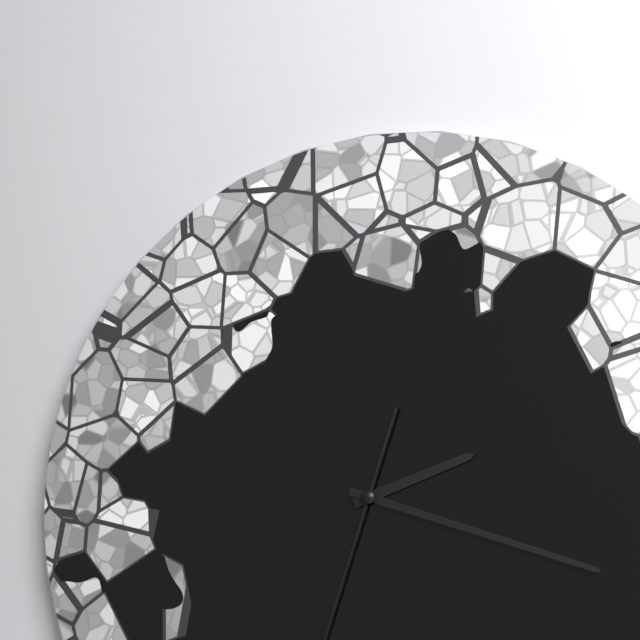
**2:18**
